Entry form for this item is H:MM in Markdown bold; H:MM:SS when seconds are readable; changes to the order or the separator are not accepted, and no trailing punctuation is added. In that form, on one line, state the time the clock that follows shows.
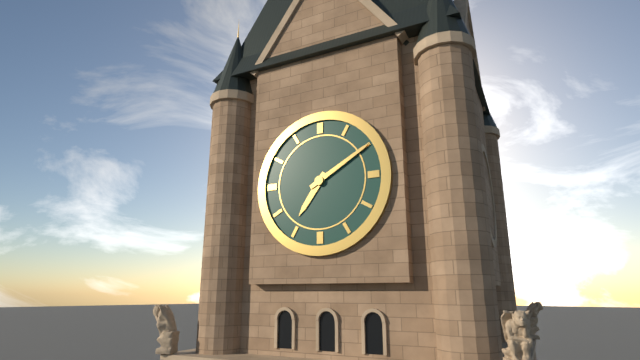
**7:10**
